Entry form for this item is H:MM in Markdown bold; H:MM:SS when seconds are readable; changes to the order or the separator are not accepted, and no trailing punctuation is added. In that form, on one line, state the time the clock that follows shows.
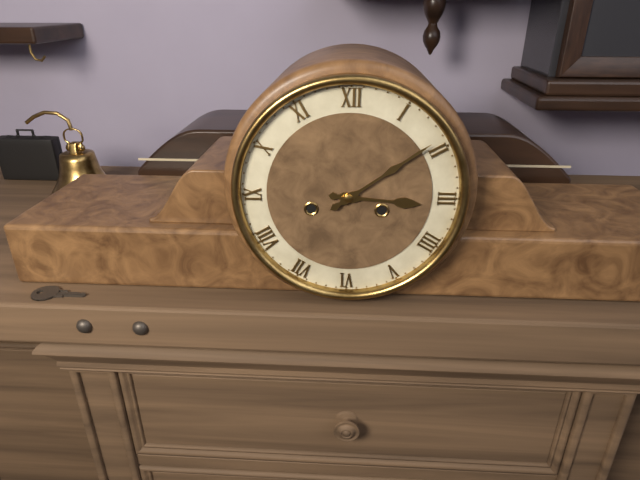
**3:09**
